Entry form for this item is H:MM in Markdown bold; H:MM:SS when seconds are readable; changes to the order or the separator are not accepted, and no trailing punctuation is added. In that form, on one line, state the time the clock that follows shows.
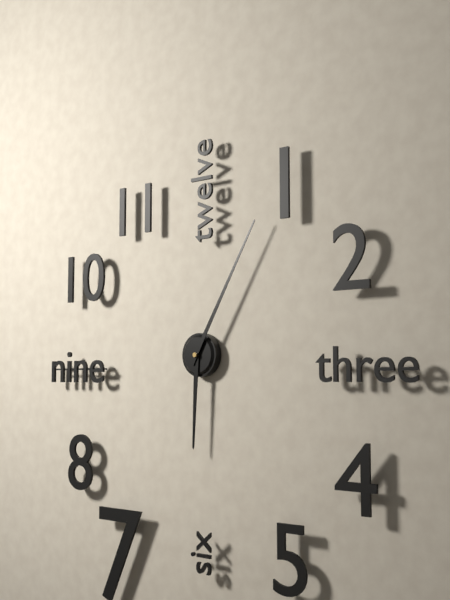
**6:05**
